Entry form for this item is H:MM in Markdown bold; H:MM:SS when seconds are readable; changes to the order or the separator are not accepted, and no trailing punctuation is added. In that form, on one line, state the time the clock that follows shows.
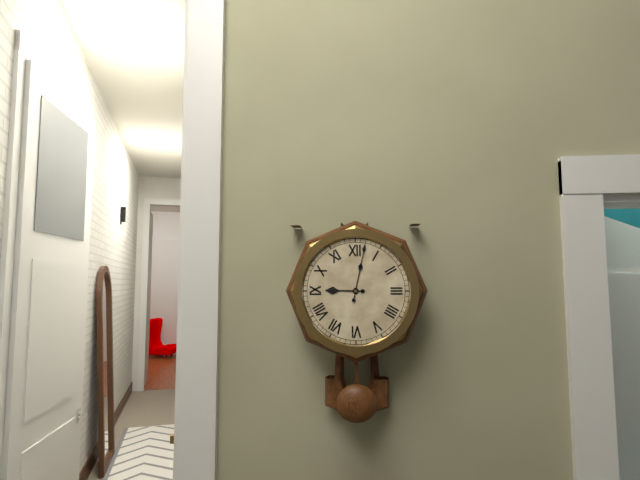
**9:02**
